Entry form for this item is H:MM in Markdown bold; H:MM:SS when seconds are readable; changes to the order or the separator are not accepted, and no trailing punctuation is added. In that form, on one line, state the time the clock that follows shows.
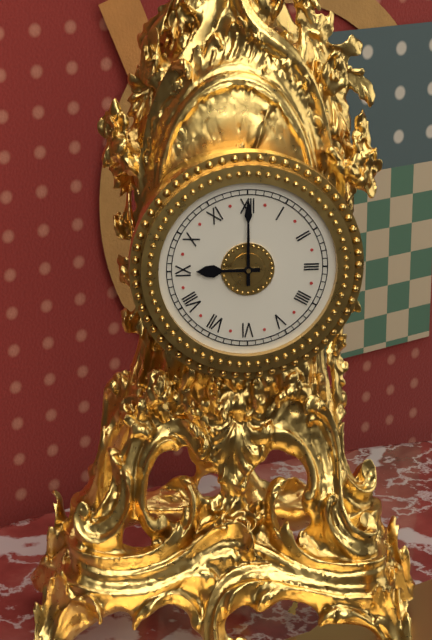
**9:00**
